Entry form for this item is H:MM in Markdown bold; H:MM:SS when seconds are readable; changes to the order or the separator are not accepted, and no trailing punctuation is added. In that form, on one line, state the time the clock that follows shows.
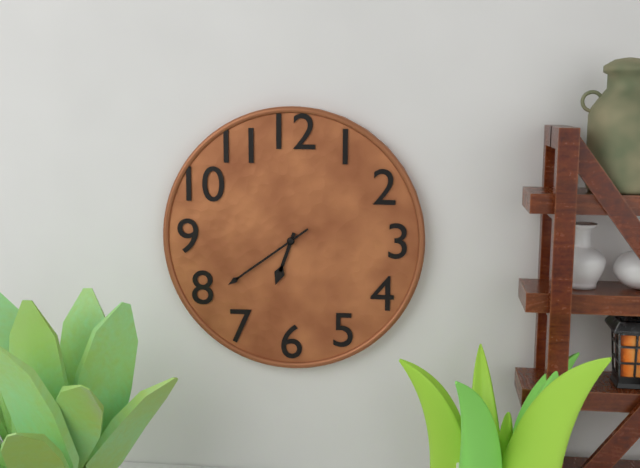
**6:39**
